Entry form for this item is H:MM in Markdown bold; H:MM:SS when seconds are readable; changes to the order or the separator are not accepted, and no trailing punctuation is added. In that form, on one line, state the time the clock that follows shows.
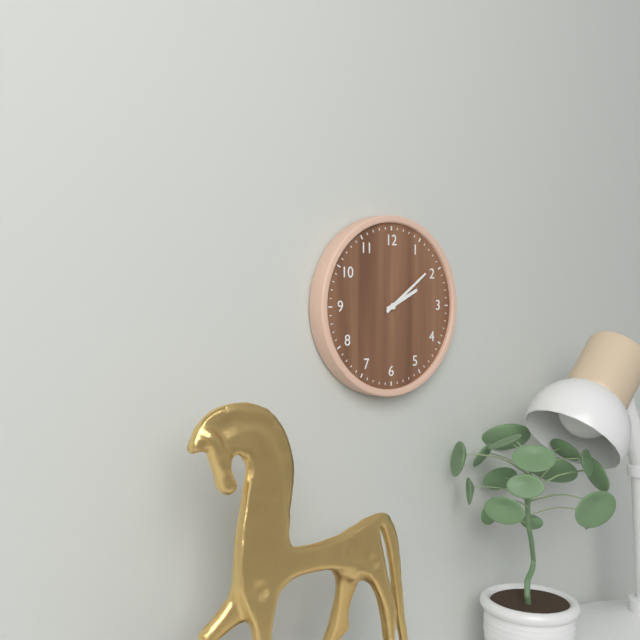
**2:09**
